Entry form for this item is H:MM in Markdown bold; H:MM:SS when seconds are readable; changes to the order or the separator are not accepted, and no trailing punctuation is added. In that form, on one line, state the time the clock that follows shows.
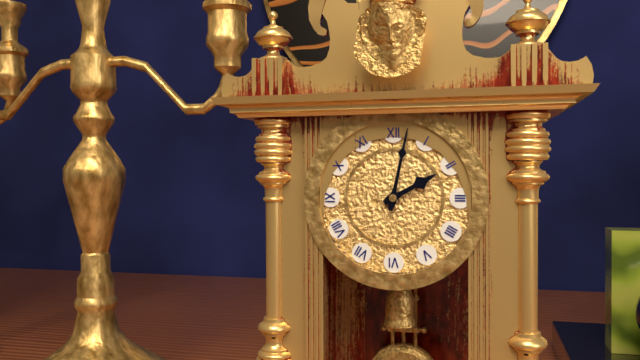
**2:02**
